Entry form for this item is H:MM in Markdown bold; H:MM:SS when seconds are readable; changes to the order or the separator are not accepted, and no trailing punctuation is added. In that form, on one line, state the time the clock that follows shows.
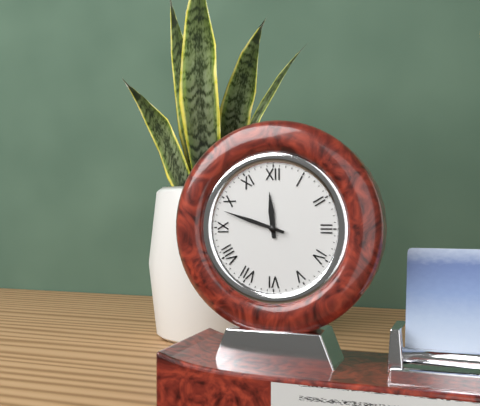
**11:48**
